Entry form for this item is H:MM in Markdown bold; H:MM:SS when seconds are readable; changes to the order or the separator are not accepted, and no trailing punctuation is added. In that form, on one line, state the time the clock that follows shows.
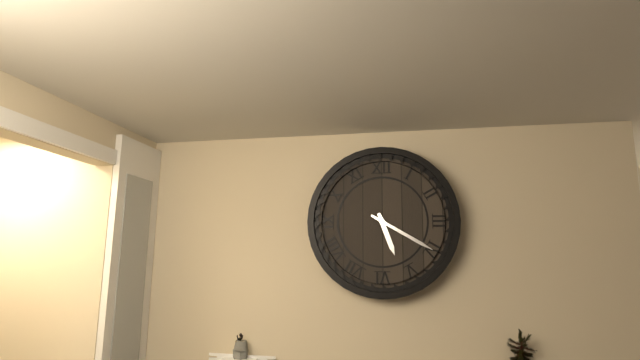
**5:20**
